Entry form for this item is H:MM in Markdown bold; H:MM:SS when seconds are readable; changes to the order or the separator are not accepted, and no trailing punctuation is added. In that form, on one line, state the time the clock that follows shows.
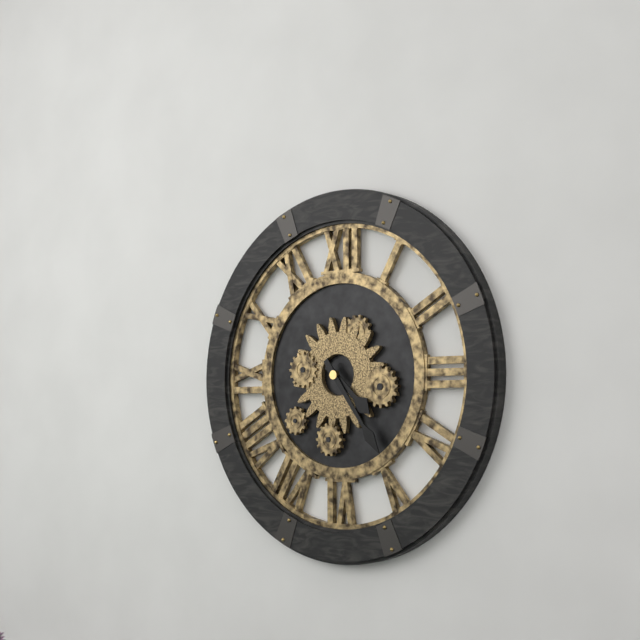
**4:24**
